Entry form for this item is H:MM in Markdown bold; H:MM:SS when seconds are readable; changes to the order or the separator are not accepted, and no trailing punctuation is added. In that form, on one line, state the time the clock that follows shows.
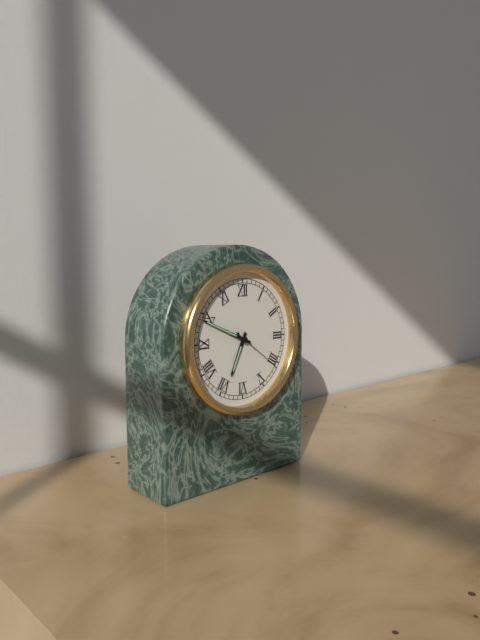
**6:49:21**
